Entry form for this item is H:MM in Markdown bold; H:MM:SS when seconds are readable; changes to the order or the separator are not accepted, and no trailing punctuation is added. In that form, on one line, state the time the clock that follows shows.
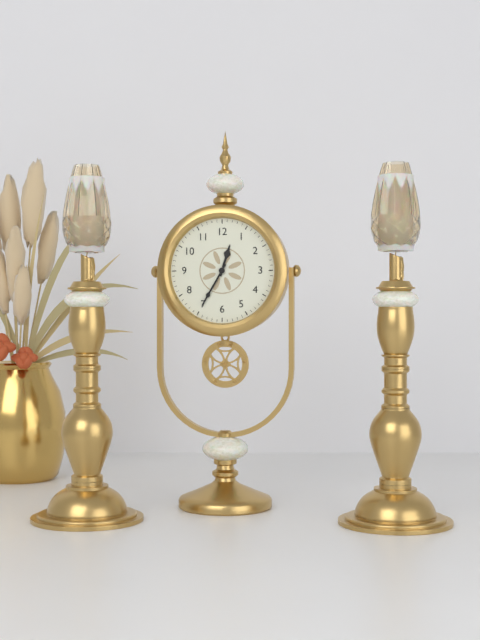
**12:35**
